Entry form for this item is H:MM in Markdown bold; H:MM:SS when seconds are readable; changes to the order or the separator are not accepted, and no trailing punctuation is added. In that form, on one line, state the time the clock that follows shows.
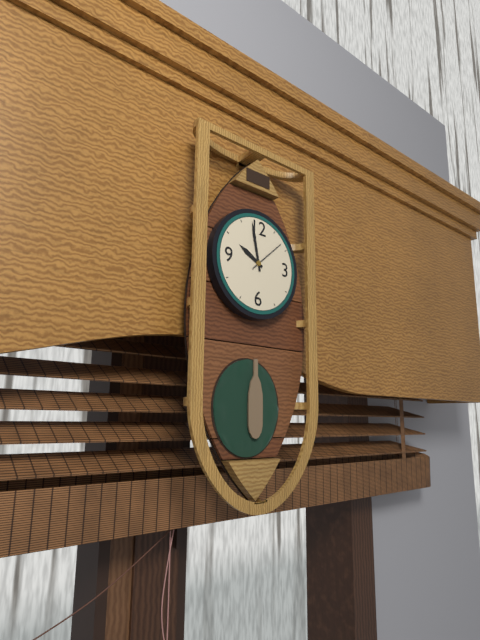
**9:58**
